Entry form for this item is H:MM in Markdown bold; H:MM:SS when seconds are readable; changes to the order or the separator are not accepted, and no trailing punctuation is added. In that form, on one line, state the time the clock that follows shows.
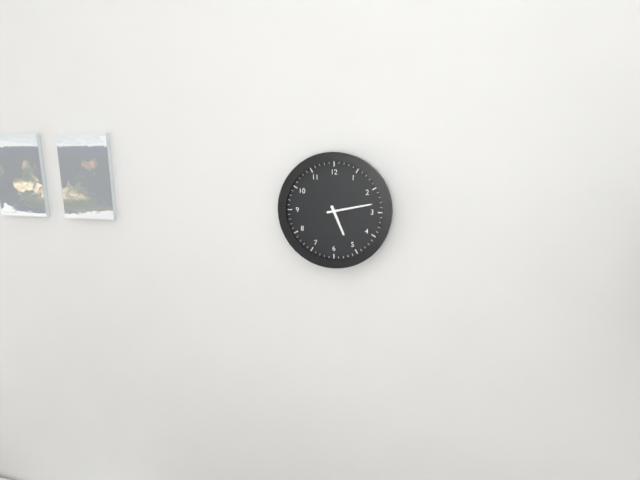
**5:13**
